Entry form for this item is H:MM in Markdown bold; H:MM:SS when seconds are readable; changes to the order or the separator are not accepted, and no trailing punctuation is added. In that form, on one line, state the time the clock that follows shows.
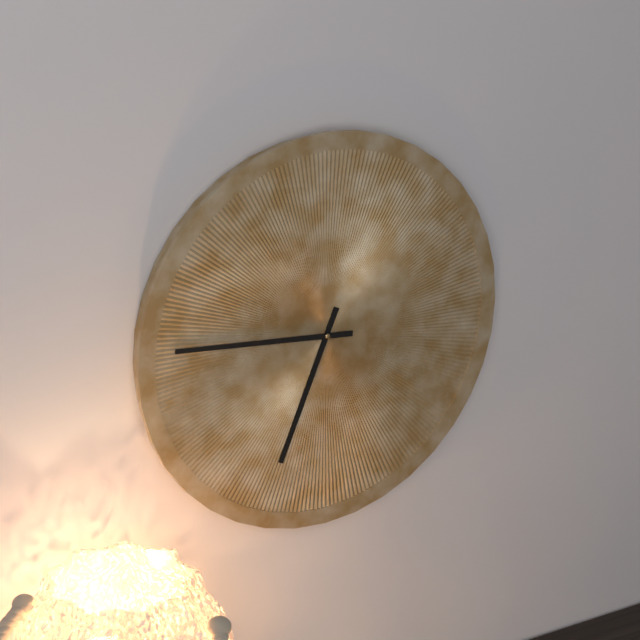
**6:46**
